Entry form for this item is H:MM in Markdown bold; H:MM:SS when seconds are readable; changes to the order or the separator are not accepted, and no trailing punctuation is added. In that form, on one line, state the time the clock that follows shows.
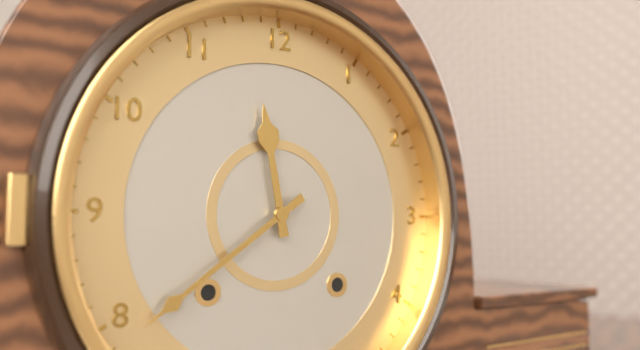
**11:39**
